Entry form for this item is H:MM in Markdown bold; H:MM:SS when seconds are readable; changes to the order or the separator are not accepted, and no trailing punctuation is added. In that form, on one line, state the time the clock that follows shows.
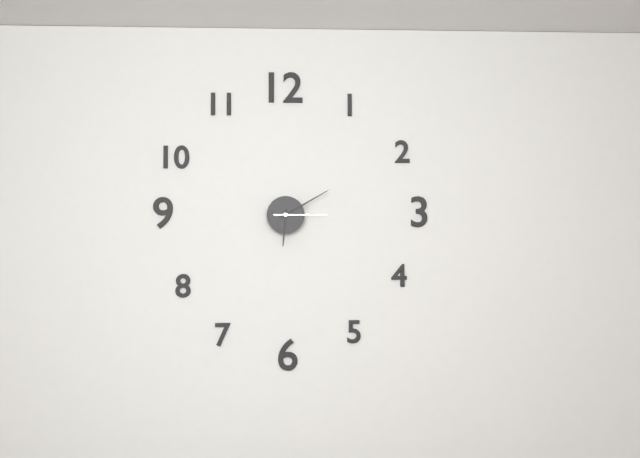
**6:10:15**
